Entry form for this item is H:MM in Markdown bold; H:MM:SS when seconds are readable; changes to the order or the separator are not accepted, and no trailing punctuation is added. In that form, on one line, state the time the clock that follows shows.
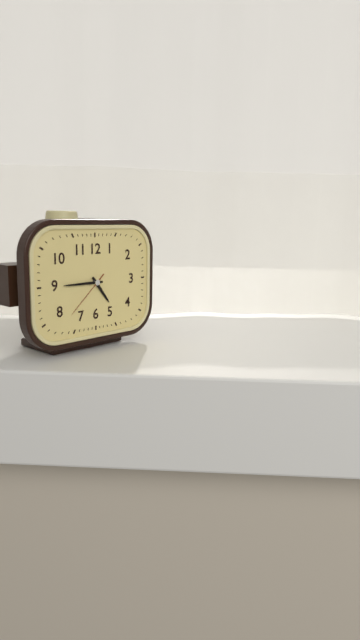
**4:45:38**
